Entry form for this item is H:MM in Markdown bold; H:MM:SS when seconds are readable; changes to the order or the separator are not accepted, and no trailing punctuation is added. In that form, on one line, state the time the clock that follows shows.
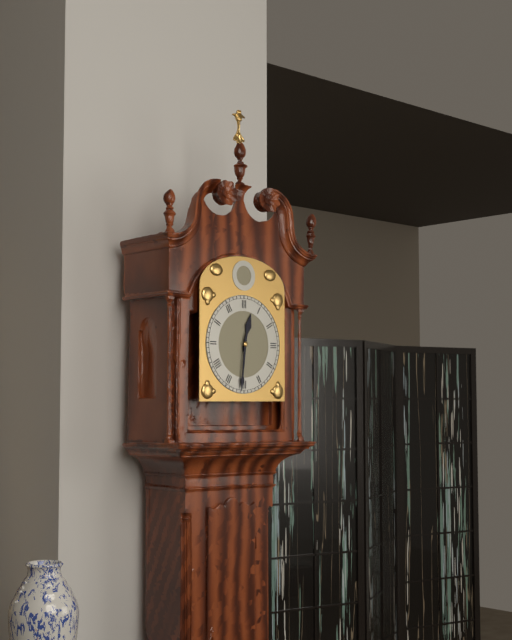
**12:31**
